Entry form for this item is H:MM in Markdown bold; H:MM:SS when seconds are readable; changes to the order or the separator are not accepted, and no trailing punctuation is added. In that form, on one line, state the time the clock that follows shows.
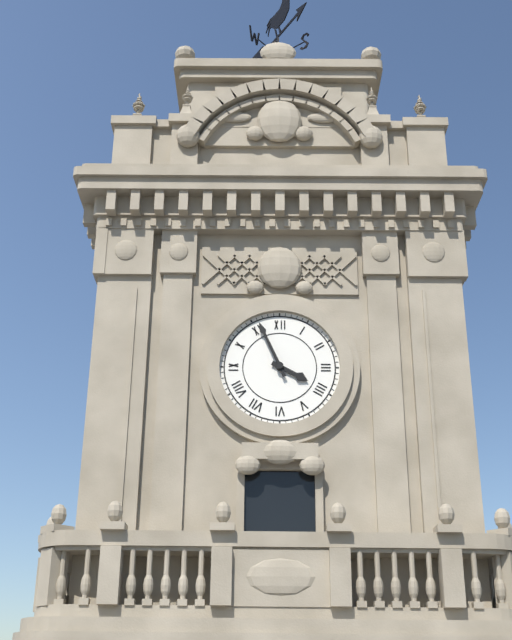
**3:56**
